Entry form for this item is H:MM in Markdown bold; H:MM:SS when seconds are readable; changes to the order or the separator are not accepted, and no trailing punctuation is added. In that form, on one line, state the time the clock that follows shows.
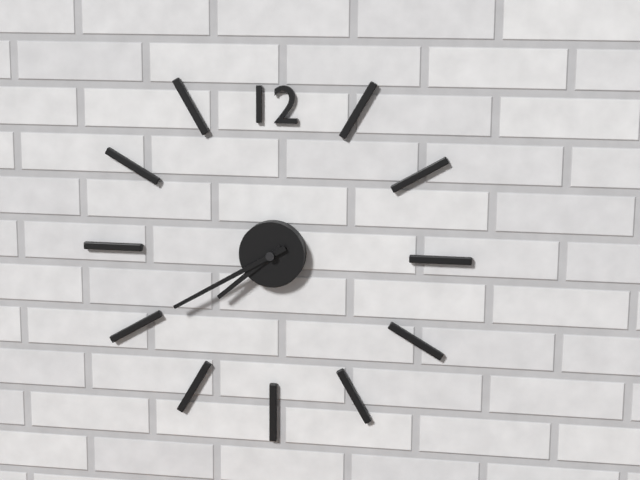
**7:40**
